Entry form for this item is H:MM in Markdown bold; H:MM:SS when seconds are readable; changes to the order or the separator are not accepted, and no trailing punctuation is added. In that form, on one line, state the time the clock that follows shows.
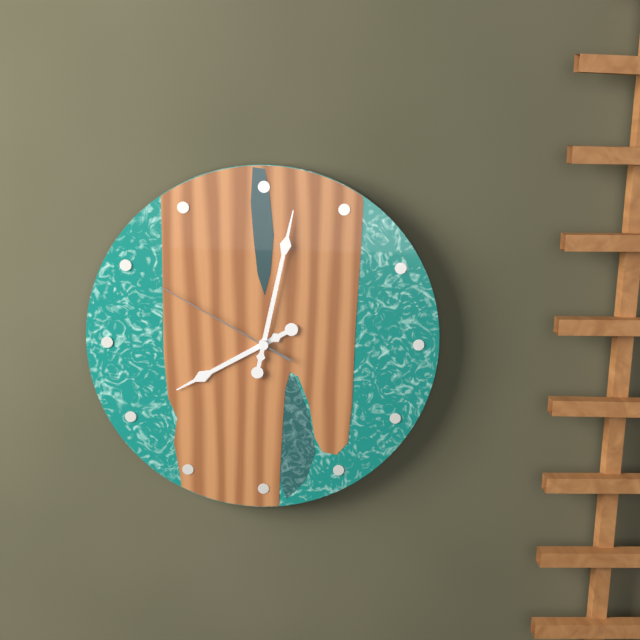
**8:02:50**
